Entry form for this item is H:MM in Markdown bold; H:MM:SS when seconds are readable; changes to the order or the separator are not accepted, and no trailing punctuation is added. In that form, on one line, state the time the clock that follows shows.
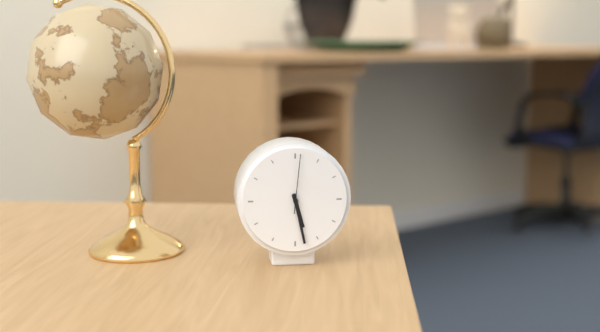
**5:28:01**
